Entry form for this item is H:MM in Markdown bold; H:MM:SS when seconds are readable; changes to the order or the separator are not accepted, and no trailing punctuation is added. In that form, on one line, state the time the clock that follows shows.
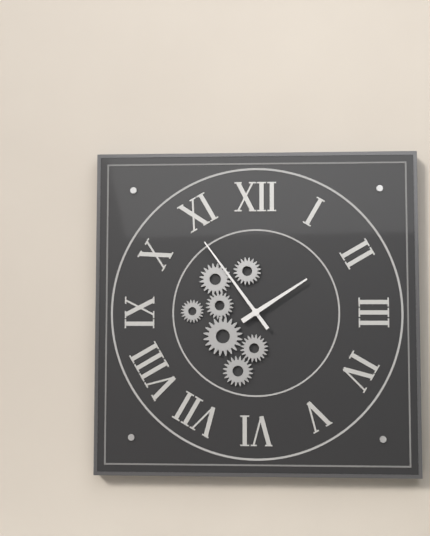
**1:54**
